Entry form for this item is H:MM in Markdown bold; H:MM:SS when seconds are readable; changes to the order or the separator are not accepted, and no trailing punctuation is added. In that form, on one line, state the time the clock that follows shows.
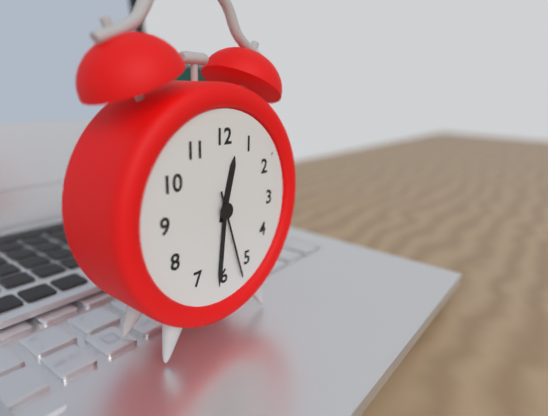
**12:31:27**
